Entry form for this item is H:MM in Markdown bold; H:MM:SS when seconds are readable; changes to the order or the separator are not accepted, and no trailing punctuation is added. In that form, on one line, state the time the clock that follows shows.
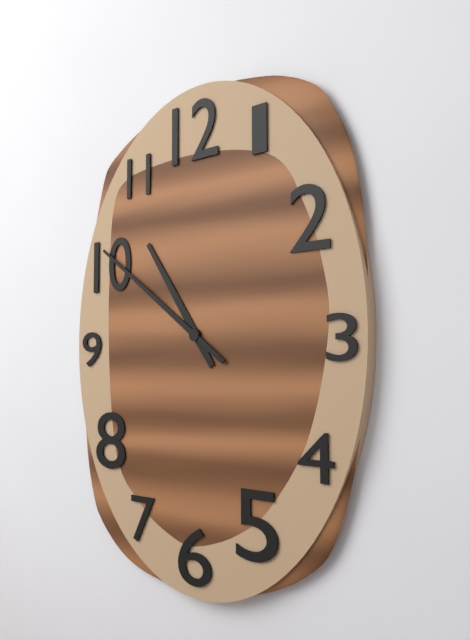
**10:51**
